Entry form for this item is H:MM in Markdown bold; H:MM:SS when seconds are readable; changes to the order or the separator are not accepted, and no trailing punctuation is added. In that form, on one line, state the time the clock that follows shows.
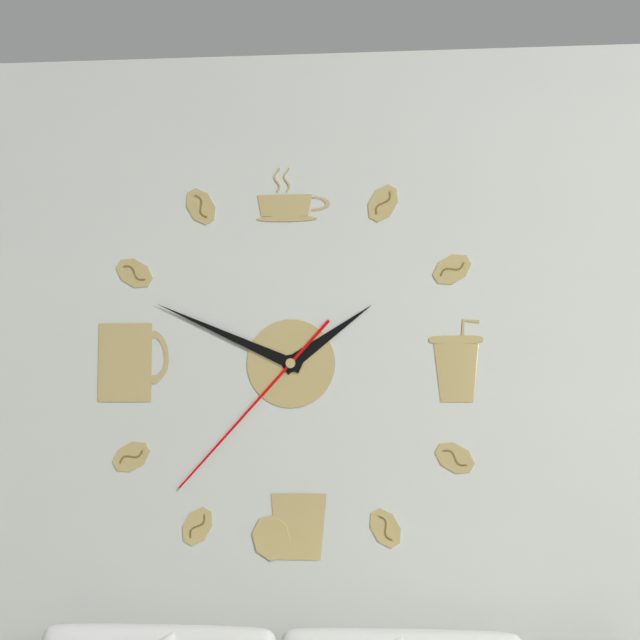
**1:49:37**
